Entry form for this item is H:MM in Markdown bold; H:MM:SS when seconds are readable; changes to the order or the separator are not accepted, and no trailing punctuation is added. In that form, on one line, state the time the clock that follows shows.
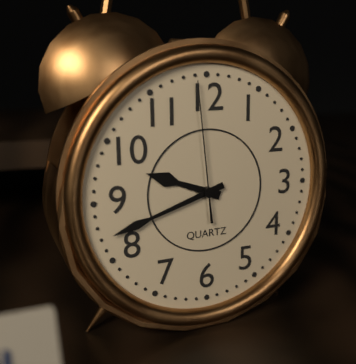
**9:42:59**
